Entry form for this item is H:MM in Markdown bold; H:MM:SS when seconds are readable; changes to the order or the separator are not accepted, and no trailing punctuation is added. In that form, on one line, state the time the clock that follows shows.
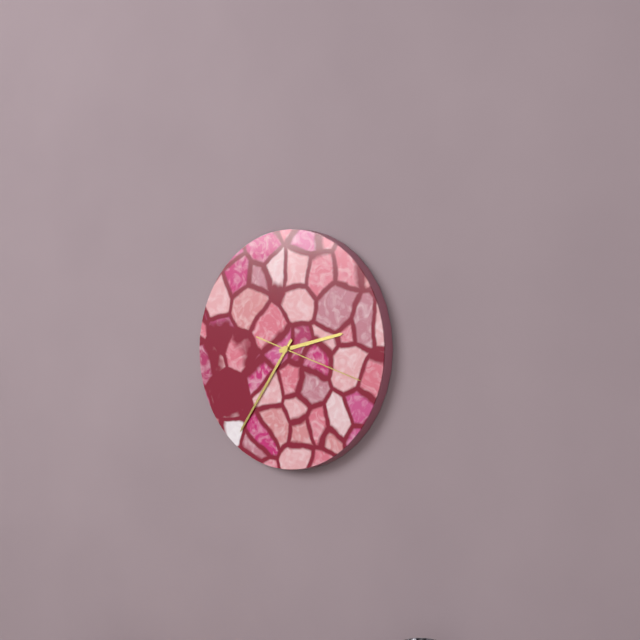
**2:36:18**
